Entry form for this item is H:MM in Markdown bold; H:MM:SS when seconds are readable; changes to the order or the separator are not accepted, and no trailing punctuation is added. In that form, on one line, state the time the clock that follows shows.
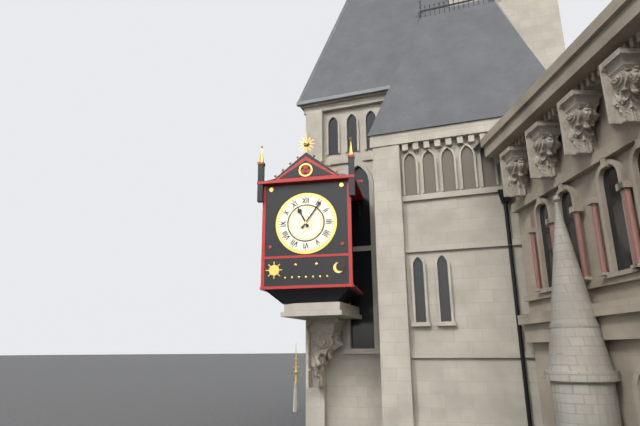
**11:06**
